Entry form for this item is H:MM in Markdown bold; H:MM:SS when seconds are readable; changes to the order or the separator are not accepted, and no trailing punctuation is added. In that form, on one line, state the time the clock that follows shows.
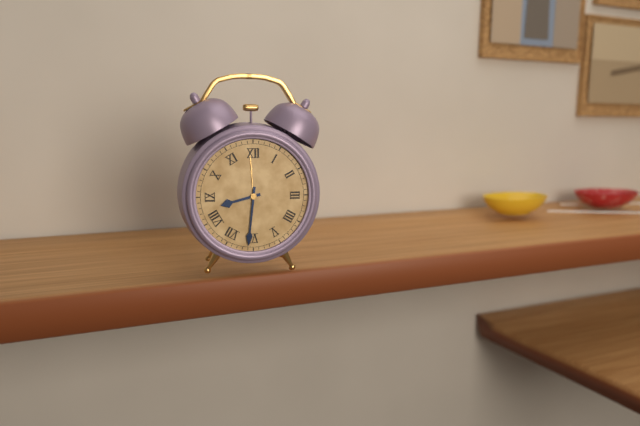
**8:31**
